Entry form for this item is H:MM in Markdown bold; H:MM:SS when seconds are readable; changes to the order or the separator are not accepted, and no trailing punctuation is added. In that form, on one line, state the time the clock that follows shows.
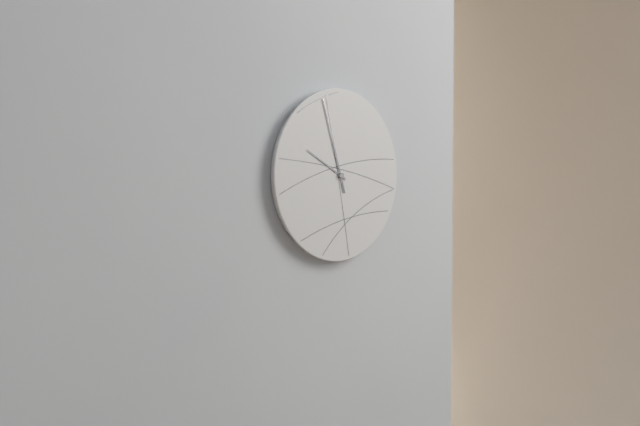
**9:57**
